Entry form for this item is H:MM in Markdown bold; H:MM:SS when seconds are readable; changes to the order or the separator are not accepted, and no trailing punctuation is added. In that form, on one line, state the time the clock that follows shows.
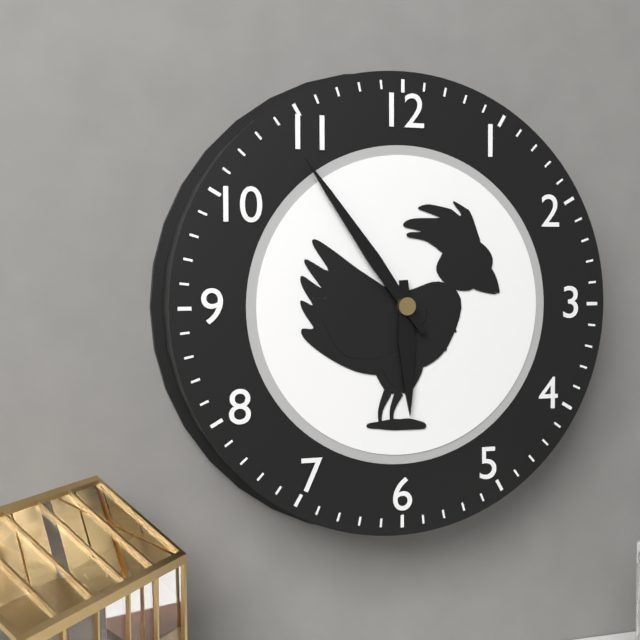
**5:54**
